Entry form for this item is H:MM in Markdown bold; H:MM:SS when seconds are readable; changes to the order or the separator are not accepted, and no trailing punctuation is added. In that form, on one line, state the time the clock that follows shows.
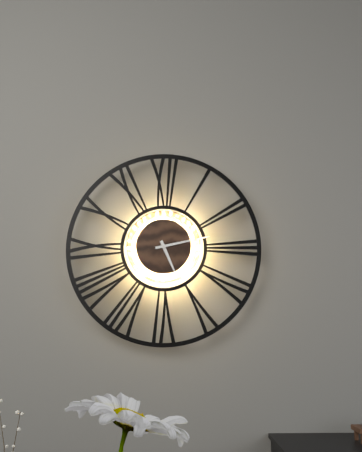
**5:13**
